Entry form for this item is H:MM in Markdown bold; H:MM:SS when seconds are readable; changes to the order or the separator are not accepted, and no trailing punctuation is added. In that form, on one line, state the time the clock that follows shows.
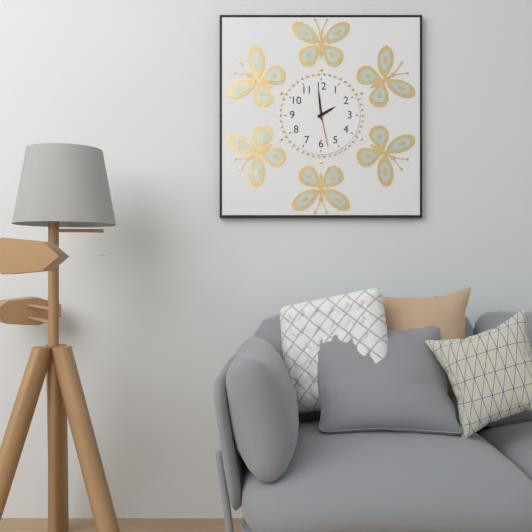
**1:59**
